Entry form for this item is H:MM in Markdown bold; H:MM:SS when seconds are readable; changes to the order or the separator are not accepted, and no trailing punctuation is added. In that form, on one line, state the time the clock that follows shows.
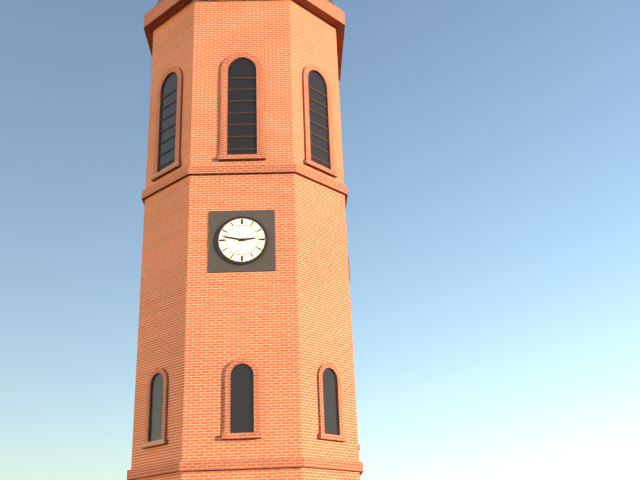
**2:47**
